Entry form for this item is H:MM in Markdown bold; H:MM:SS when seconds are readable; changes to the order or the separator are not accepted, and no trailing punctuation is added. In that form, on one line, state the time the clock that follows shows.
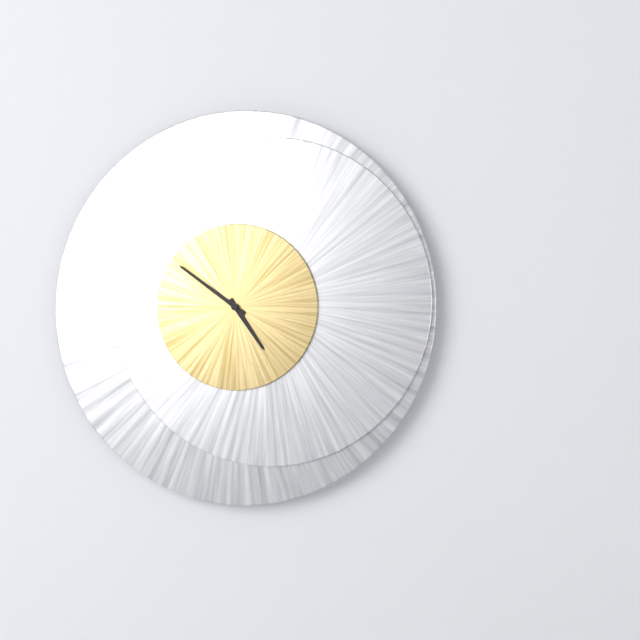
**4:51**
